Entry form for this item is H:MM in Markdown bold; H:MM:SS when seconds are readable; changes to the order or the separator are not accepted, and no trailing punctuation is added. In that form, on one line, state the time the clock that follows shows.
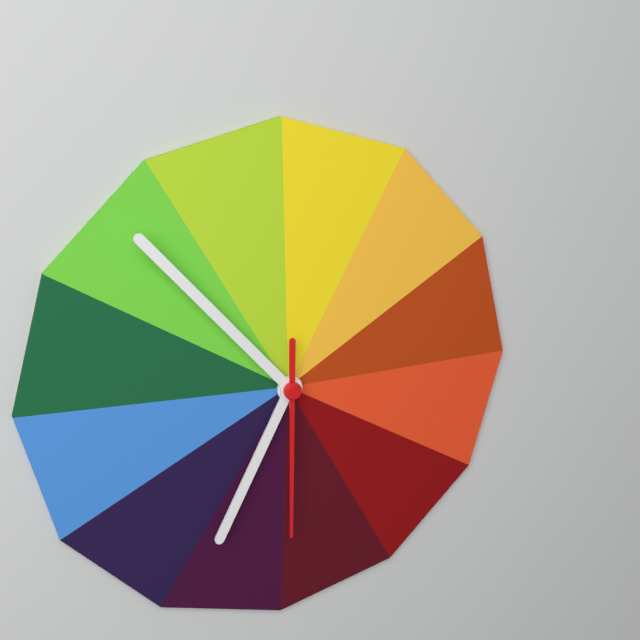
**6:53:30**
